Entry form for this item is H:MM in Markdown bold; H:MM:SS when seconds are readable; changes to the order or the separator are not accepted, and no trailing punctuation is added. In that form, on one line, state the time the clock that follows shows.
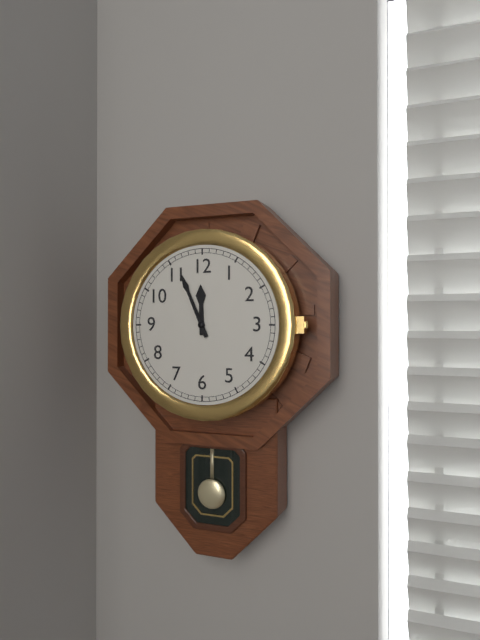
**11:56**
